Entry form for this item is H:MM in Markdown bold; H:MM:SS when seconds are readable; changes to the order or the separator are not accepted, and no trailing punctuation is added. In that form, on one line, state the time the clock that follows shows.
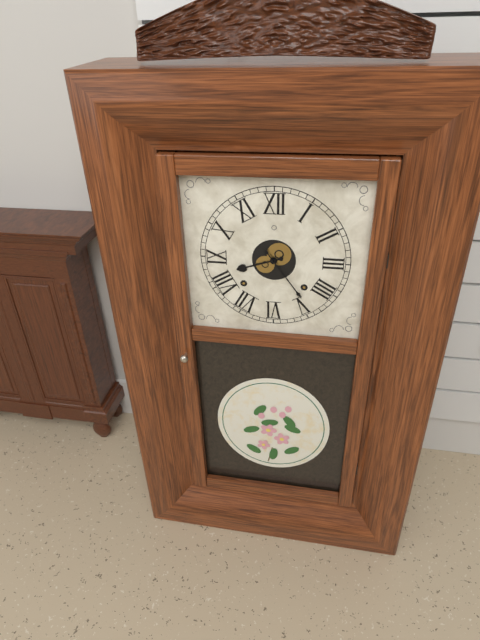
**8:24**
